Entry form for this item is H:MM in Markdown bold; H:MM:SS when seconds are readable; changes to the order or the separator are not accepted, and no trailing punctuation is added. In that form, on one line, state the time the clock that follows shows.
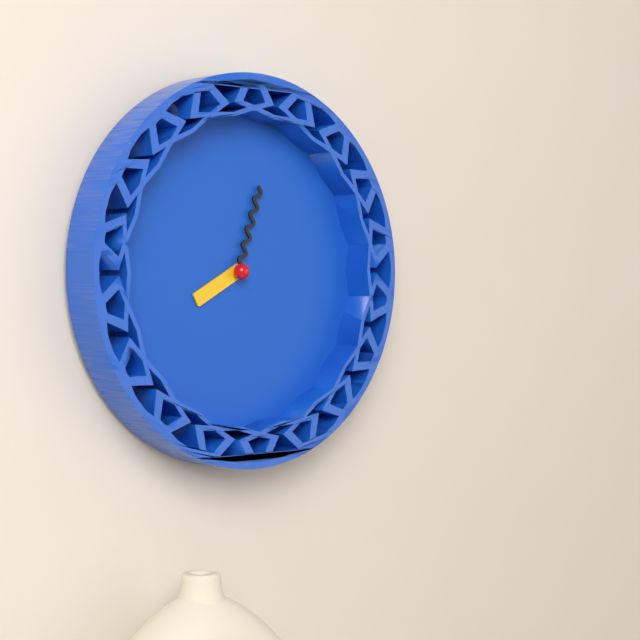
**8:03**
